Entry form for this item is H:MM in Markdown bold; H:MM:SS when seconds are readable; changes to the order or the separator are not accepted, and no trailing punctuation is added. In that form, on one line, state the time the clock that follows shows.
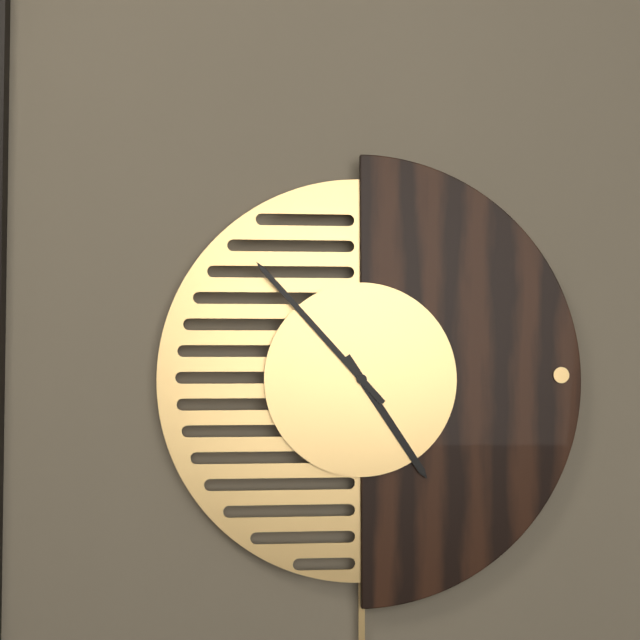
**4:53**
